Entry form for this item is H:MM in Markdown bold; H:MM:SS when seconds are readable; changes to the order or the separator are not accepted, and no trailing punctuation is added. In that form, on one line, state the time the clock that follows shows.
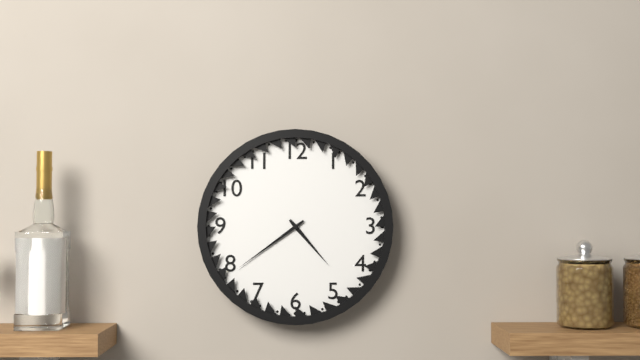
**4:39**
